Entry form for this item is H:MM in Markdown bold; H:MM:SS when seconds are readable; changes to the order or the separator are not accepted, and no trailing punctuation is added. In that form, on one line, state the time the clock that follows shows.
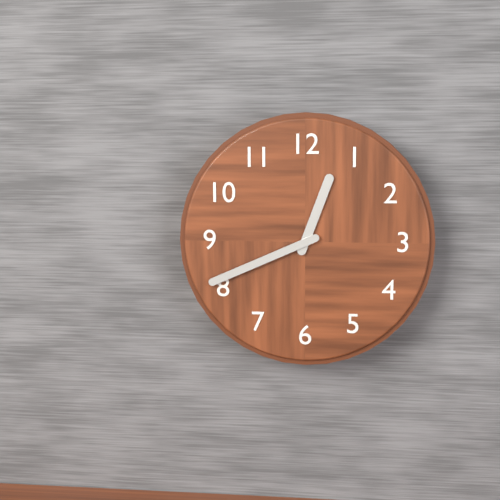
**12:41**
